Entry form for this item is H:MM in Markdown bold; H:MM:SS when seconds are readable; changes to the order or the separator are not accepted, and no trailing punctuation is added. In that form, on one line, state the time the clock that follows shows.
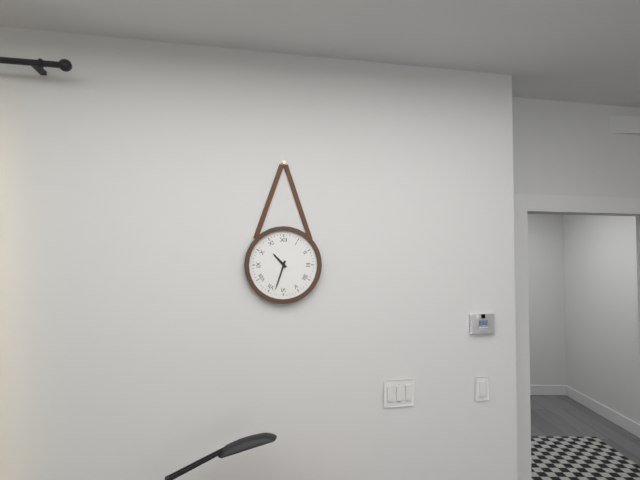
**10:33**
